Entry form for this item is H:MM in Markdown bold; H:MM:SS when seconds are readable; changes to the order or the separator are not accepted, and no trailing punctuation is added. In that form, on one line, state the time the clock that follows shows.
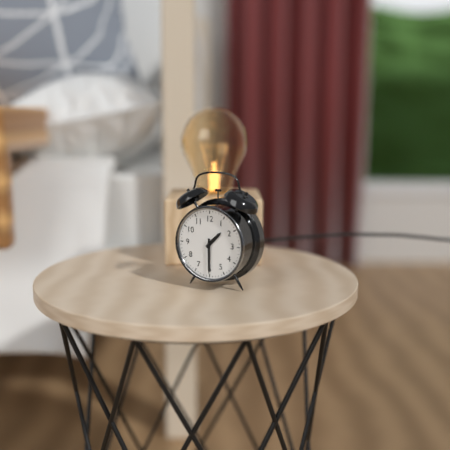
**1:30**
